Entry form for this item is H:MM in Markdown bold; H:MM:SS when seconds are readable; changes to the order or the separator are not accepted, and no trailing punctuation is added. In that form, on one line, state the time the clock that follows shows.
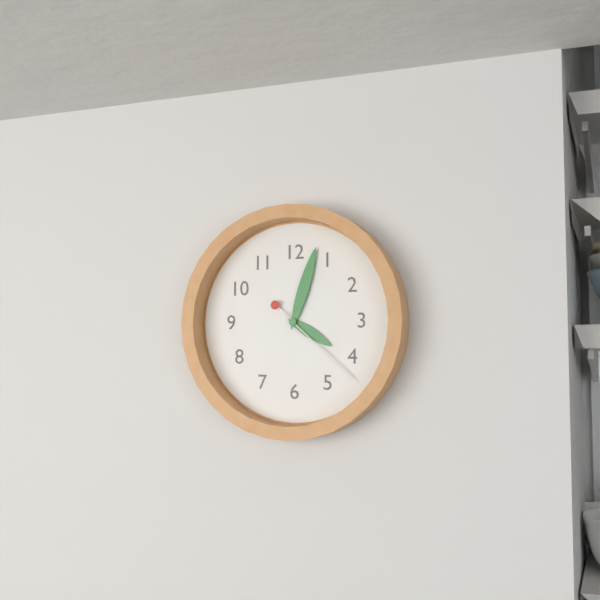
**4:03:22**
